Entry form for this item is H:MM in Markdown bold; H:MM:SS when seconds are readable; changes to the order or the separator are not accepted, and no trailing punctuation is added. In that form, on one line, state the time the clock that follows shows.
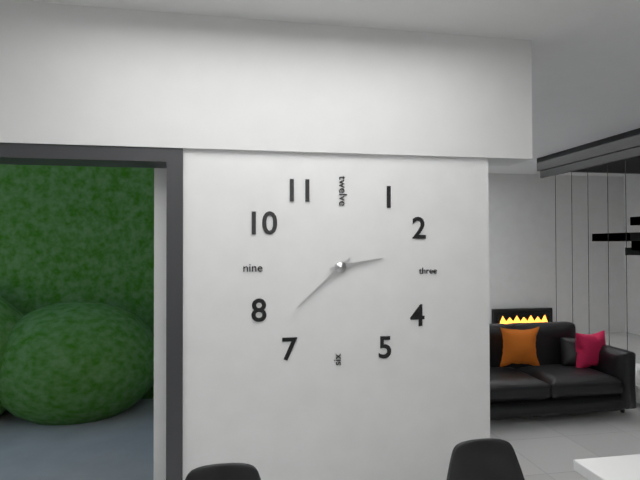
**2:38**
